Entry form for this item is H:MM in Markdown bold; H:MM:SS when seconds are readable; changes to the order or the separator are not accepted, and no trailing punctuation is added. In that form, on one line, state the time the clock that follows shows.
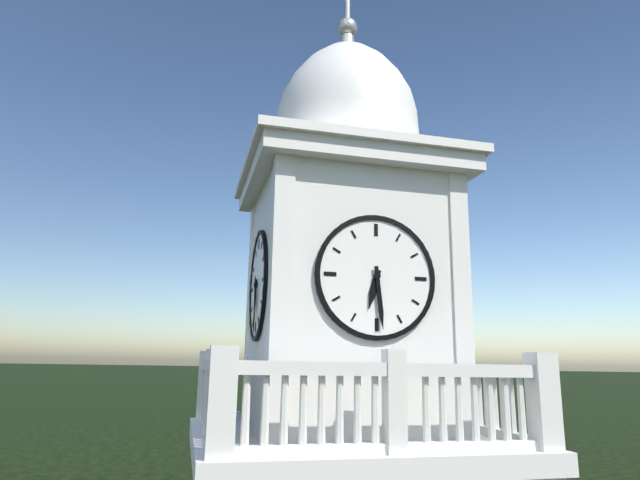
**6:29**
